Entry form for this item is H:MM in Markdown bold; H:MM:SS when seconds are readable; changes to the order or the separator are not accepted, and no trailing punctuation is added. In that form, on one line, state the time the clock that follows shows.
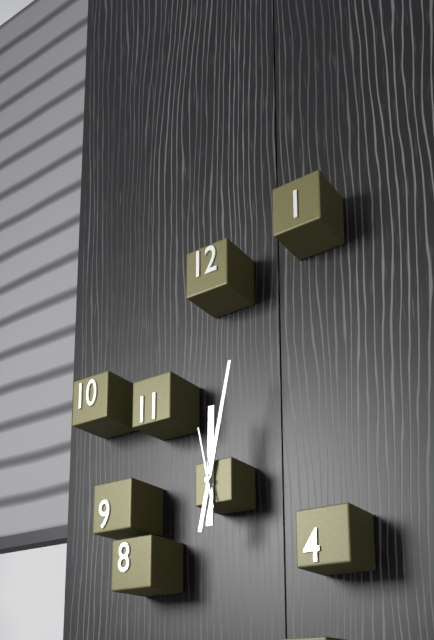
**12:02:58**
